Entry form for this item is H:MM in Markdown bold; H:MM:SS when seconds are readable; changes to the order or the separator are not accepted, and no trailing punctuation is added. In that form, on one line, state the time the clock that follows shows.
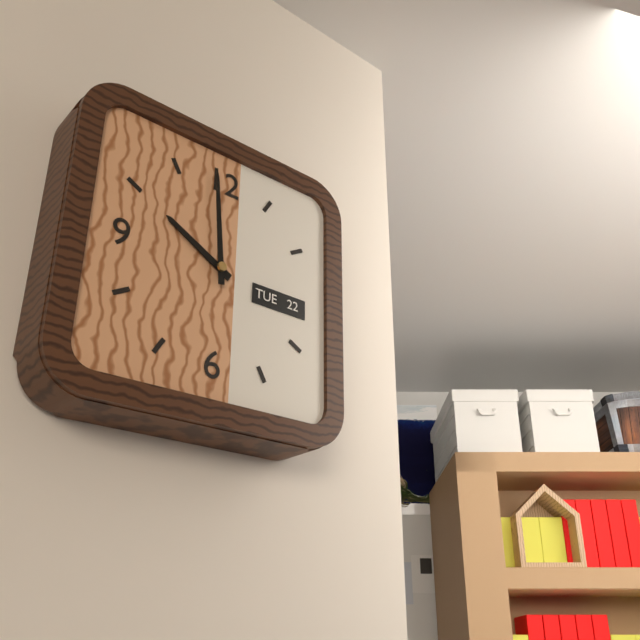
**9:59**
